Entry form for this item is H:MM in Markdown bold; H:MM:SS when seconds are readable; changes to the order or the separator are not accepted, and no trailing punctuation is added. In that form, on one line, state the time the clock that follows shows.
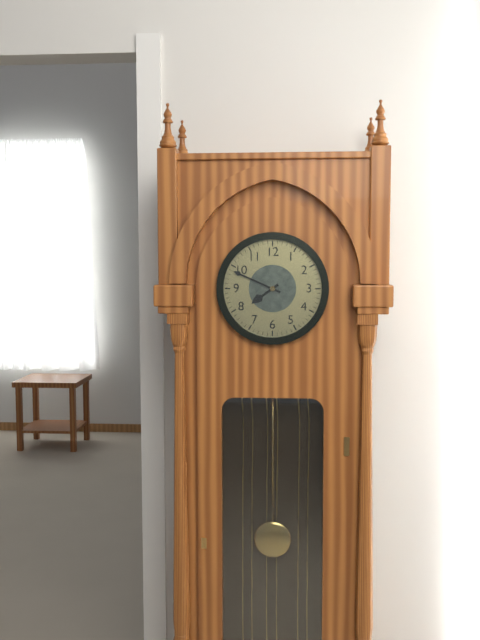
**7:49**
